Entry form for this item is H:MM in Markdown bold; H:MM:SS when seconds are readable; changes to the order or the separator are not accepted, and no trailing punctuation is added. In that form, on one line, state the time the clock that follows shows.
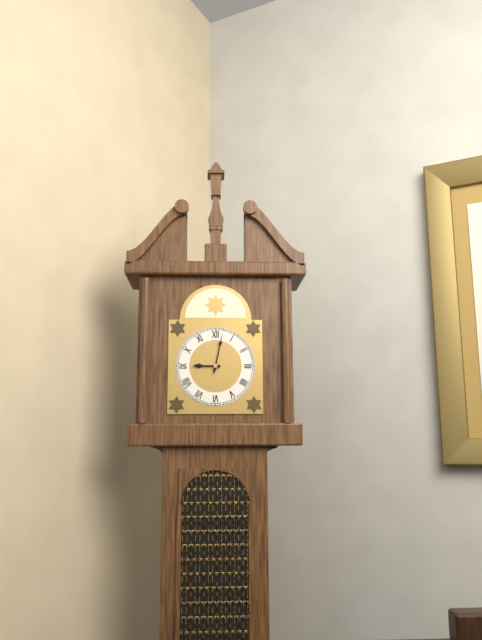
**9:02**
